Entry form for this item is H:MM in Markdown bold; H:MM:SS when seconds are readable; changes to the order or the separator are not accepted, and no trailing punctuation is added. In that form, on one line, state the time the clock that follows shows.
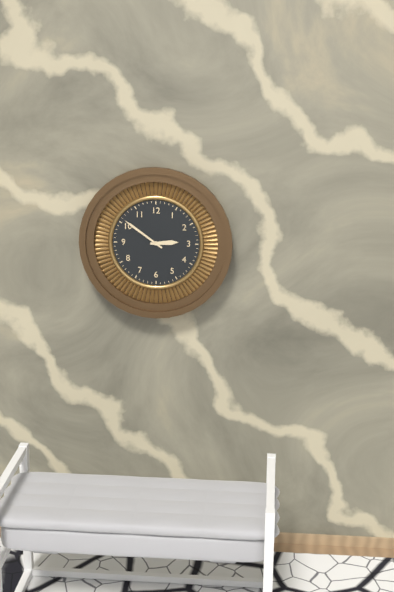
**2:51**
